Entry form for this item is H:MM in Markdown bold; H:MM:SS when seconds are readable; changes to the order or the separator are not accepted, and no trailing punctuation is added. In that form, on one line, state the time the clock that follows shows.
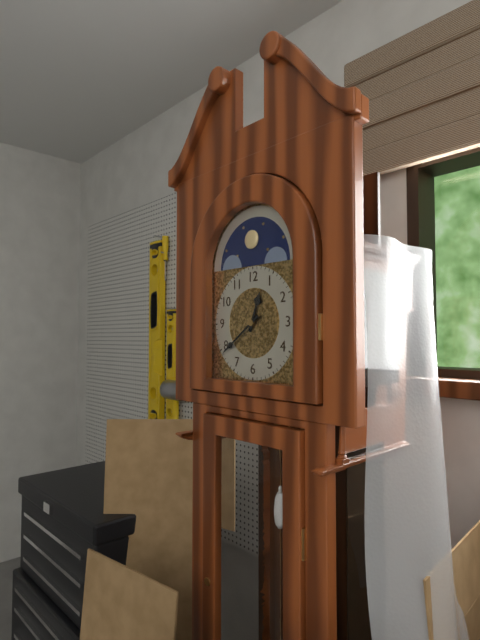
**12:39**
